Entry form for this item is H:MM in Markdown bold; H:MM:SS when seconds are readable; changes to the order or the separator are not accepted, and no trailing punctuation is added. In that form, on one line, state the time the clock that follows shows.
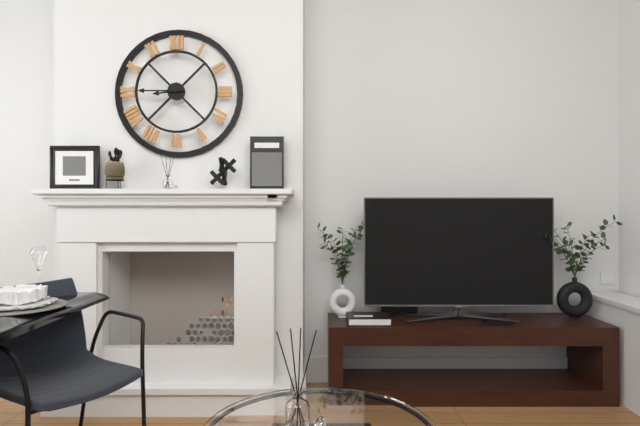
**8:45**
